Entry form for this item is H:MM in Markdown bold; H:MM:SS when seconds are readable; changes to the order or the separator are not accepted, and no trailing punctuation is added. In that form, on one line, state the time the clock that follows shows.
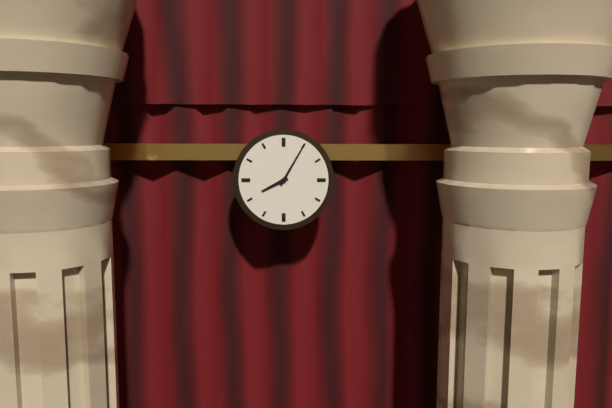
**8:05**
